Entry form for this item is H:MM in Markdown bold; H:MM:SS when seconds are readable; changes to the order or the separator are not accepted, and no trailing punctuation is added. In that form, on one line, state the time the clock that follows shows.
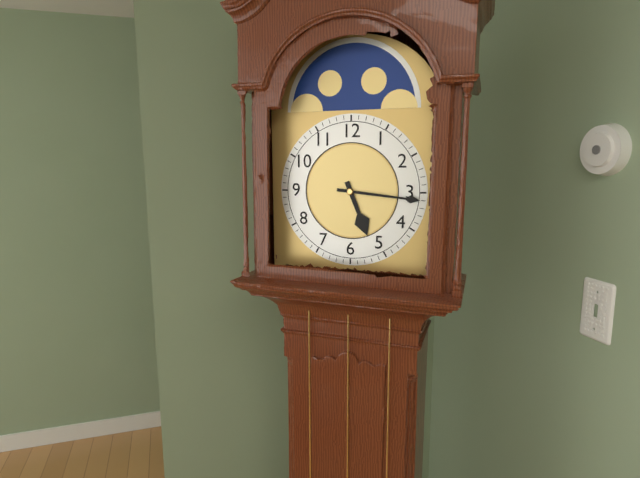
**5:16**
